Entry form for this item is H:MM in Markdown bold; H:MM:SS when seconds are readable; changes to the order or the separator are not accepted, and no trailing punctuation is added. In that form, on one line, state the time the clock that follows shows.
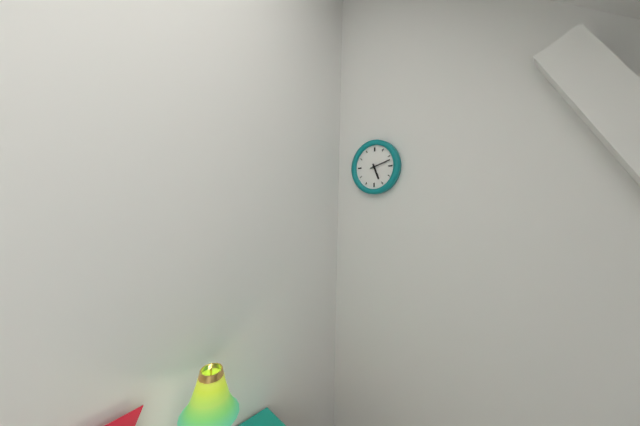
**5:12**
